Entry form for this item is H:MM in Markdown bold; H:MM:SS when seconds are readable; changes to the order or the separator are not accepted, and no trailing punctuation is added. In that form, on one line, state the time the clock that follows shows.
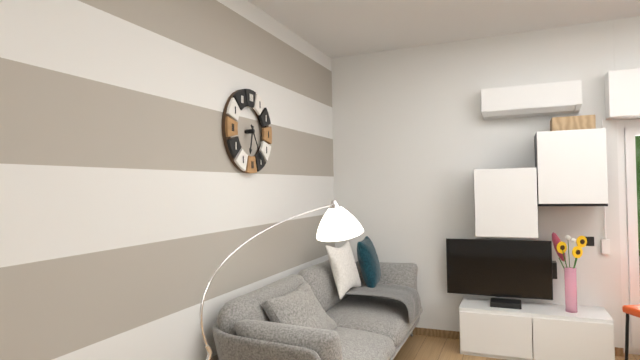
**6:25**
